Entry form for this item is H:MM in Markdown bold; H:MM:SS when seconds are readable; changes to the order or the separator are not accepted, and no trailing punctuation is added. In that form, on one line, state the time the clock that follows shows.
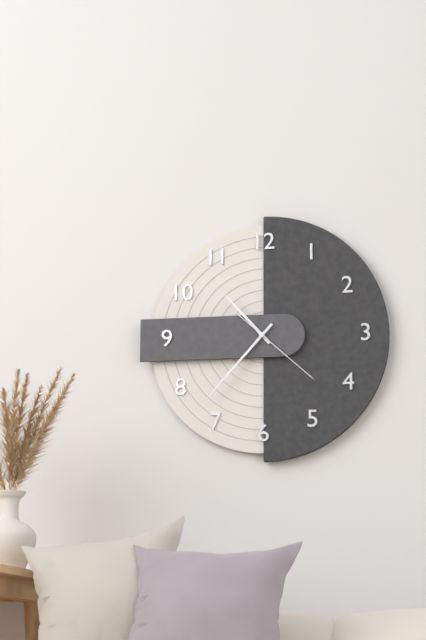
**10:37:22**
